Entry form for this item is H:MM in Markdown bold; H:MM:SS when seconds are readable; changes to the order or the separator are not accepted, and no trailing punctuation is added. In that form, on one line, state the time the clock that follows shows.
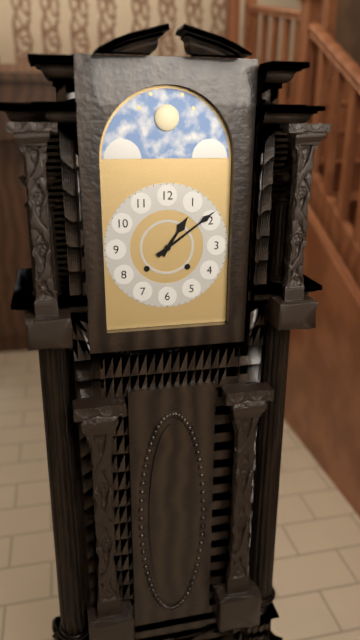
**1:09**
